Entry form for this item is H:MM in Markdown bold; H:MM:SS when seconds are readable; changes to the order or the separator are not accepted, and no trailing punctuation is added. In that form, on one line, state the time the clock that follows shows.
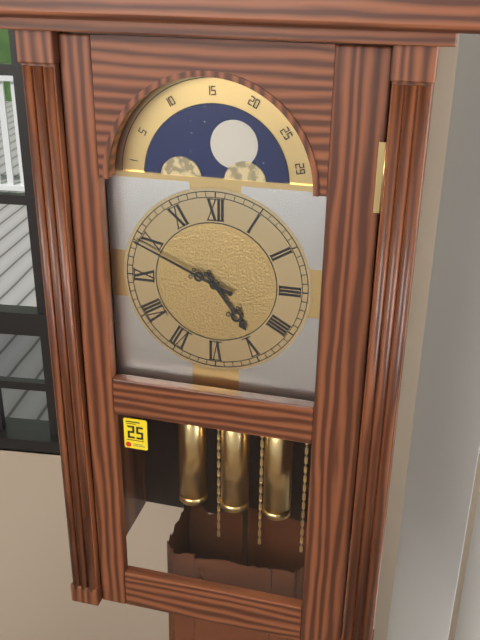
**4:49**
